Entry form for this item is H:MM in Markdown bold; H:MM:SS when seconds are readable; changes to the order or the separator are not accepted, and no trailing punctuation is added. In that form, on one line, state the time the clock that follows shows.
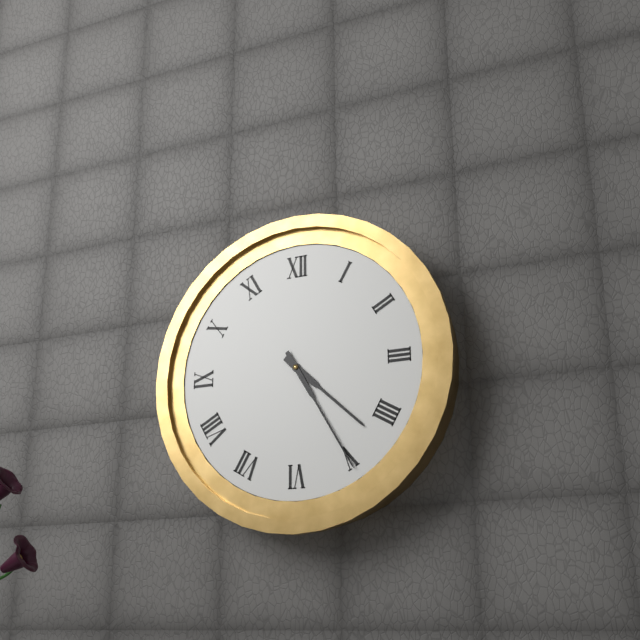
**4:25**
